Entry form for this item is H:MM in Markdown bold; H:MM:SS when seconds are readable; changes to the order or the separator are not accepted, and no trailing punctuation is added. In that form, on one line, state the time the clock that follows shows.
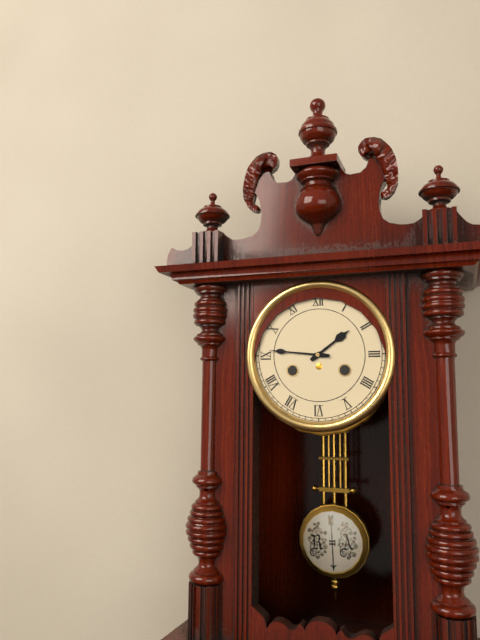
**1:46**
